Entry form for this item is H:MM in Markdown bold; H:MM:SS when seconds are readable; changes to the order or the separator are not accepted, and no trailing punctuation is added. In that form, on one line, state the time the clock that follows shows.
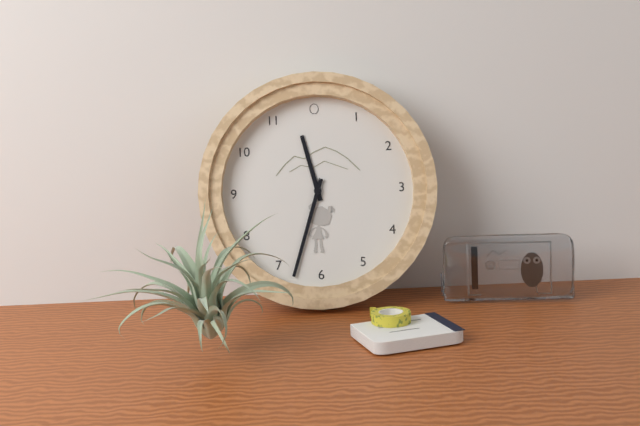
**11:33**
